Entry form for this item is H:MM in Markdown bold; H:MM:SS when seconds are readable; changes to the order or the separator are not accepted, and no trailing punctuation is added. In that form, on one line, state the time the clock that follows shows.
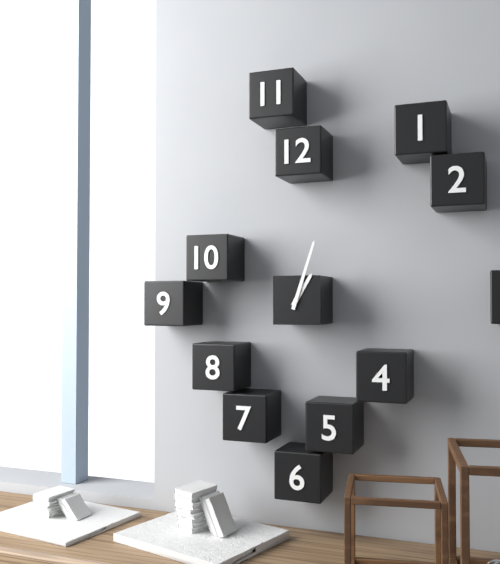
**1:03**
